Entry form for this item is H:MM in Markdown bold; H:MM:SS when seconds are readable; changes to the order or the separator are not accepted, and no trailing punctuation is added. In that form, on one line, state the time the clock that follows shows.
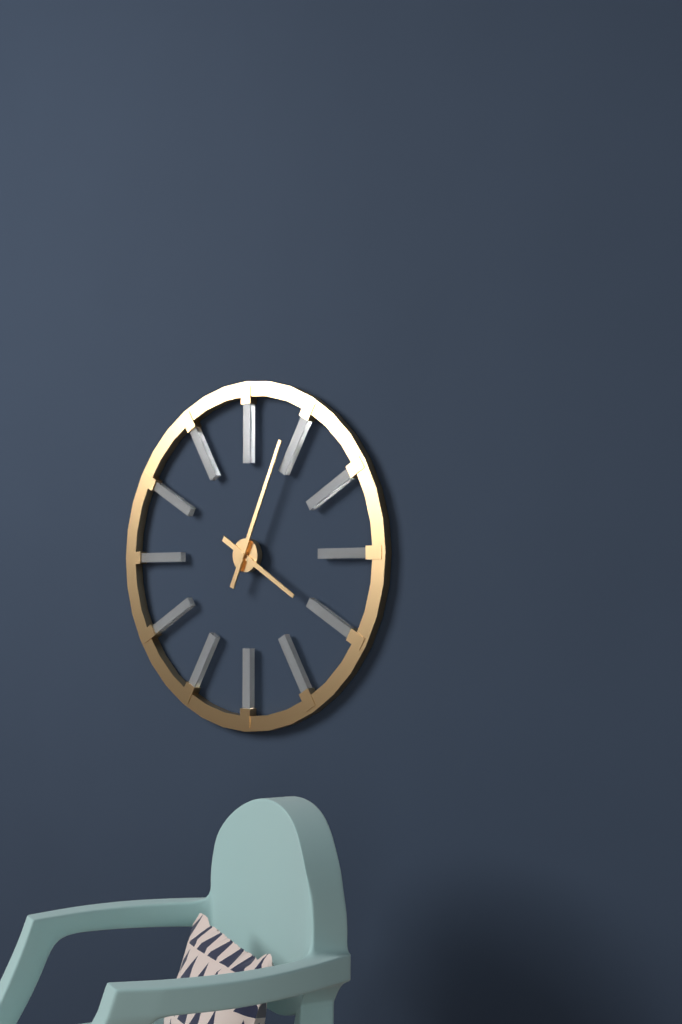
**4:04**
